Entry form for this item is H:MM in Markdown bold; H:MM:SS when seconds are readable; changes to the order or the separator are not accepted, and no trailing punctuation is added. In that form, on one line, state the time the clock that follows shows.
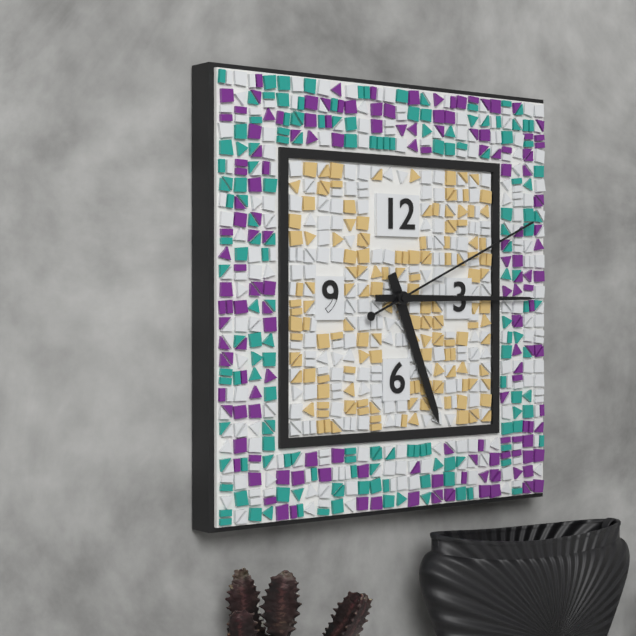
**5:15:11**
